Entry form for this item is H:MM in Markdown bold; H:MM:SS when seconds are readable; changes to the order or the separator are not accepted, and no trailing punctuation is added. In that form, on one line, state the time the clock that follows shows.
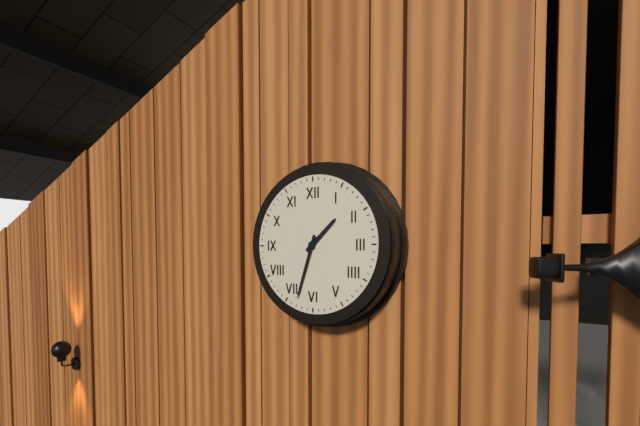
**1:33**
